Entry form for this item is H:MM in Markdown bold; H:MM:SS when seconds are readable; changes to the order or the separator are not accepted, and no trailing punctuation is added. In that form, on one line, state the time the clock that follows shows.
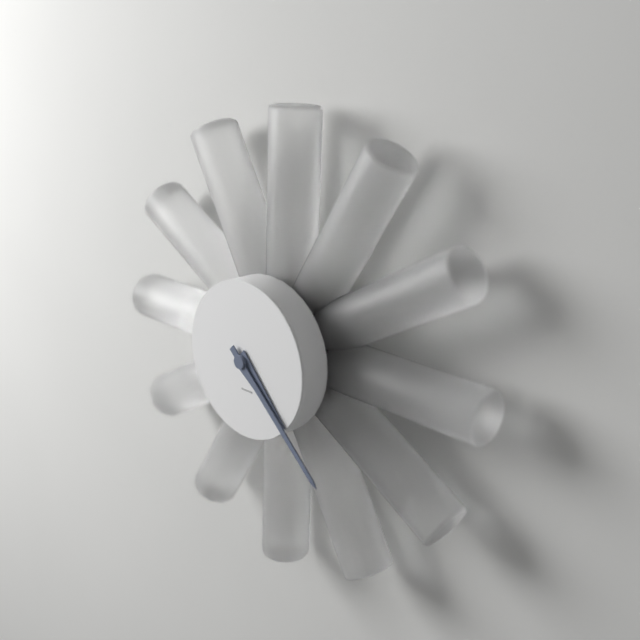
**4:22**
